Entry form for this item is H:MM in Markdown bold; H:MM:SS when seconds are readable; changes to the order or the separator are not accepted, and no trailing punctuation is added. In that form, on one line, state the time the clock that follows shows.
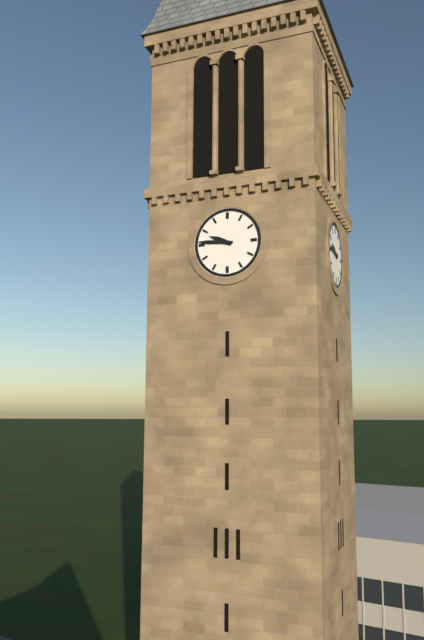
**9:46**
